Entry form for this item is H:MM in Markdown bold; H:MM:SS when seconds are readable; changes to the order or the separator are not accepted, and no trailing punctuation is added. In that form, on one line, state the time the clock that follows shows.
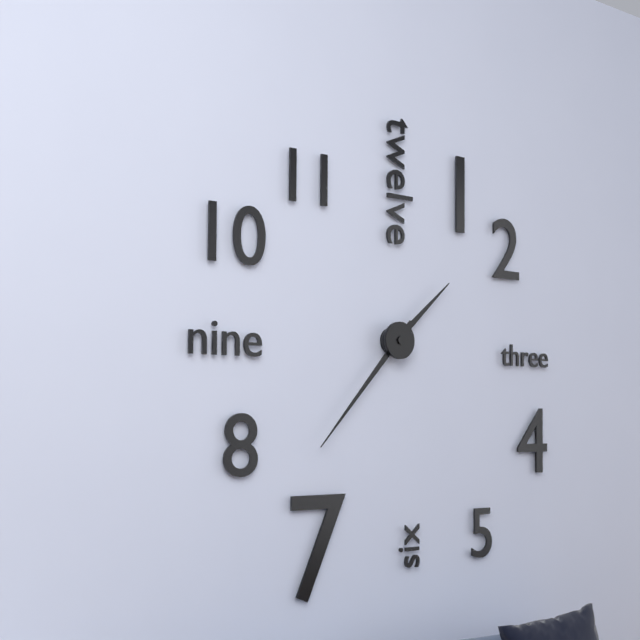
**1:37**
